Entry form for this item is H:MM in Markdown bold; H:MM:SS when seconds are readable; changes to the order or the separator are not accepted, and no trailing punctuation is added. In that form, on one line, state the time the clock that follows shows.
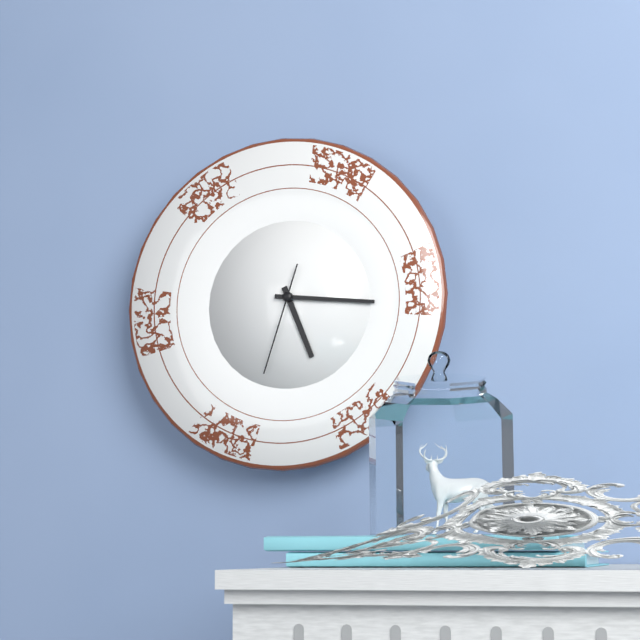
**5:16:33**
